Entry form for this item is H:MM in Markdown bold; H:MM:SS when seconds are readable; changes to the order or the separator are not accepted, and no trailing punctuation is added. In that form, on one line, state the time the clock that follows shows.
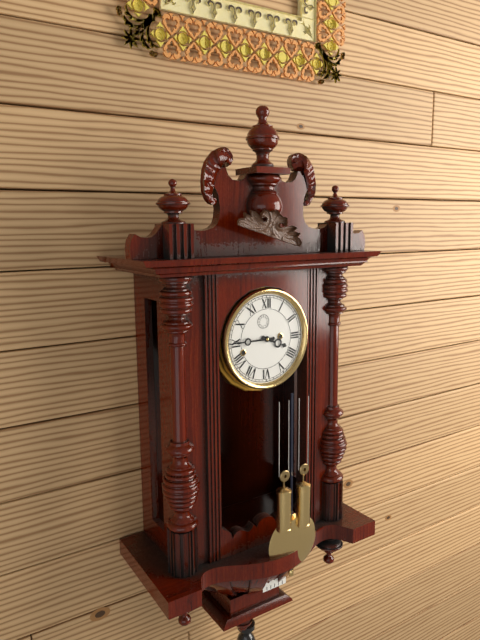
**3:45**
